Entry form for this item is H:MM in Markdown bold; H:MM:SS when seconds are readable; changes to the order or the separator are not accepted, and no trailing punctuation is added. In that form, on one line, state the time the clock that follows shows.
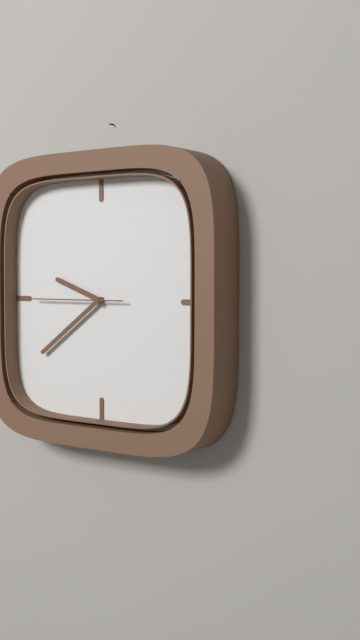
**9:39:45**
